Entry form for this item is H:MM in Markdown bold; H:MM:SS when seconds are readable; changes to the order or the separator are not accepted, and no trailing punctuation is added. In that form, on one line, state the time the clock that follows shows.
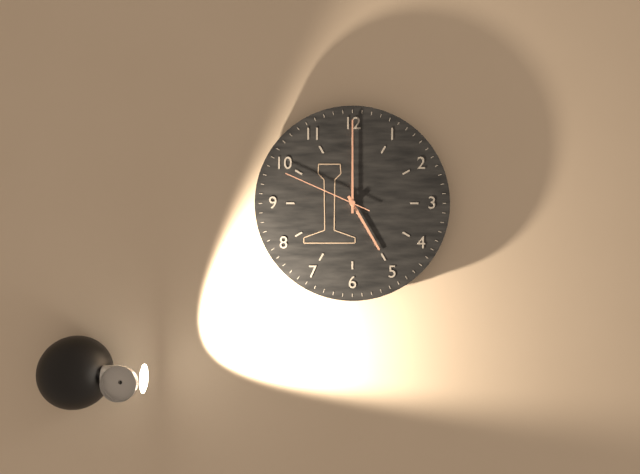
**5:00:49**
